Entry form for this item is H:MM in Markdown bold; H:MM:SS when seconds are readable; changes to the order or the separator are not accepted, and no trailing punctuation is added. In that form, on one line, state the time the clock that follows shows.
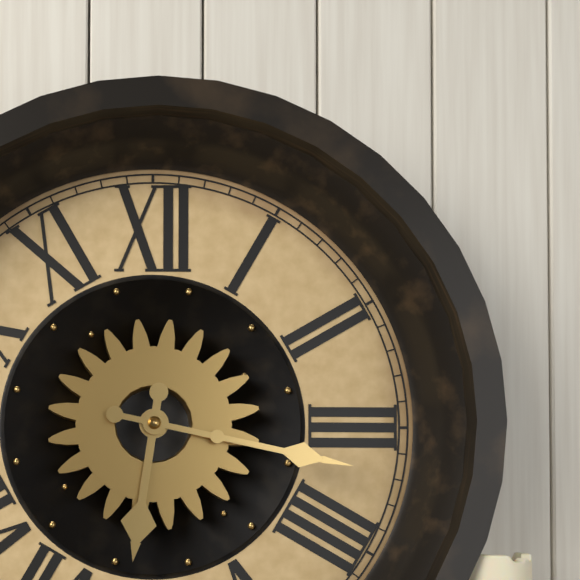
**6:17**
